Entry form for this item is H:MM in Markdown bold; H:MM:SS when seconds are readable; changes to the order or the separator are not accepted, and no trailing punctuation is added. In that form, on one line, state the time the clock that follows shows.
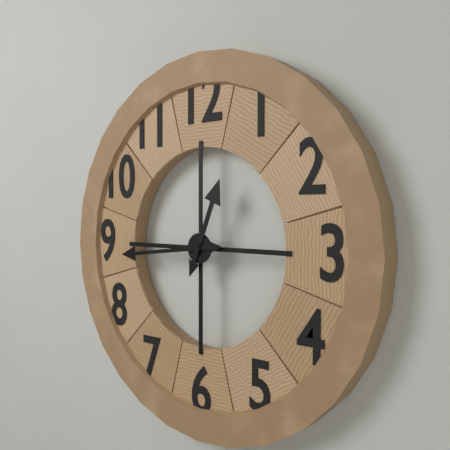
**12:44**
